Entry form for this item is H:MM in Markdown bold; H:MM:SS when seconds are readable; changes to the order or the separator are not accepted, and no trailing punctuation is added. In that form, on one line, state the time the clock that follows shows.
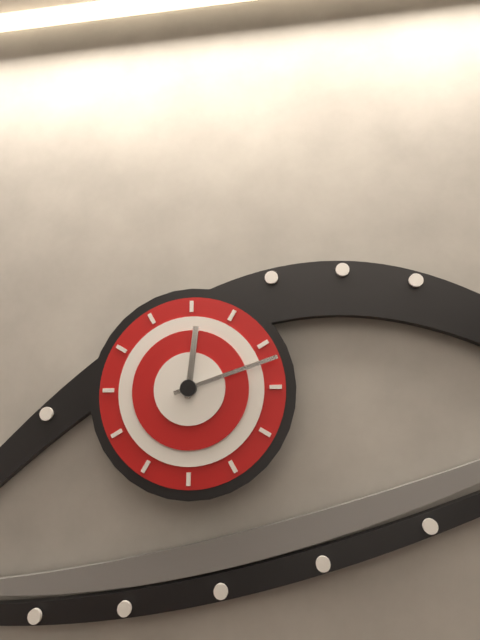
**12:12**
